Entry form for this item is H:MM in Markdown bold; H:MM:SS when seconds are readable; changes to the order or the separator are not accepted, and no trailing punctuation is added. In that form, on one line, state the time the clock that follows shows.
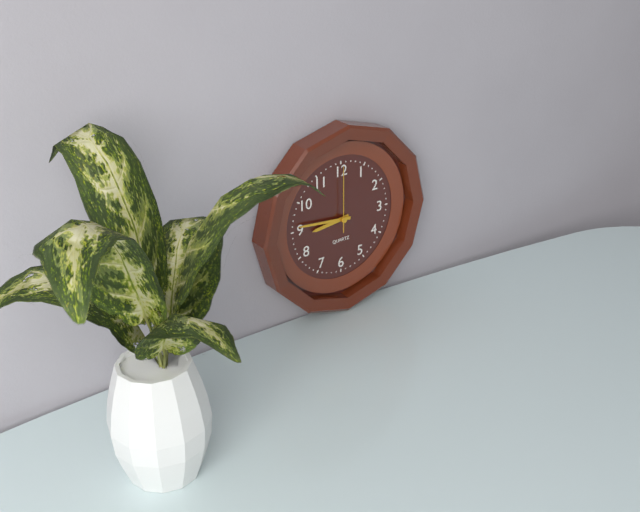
**8:46:00**
